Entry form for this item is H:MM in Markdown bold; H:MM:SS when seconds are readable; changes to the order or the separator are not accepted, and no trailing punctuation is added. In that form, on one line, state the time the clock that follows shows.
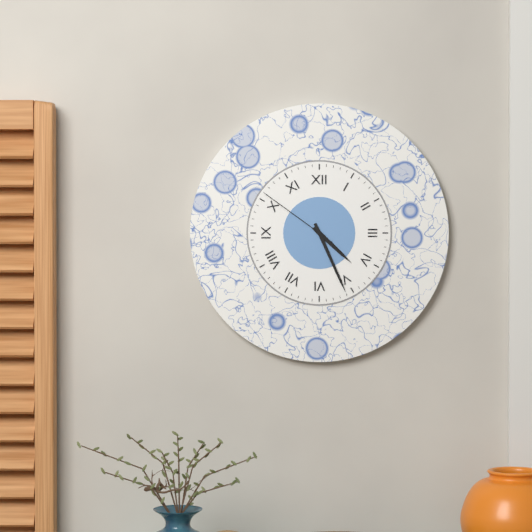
**4:26:51**
